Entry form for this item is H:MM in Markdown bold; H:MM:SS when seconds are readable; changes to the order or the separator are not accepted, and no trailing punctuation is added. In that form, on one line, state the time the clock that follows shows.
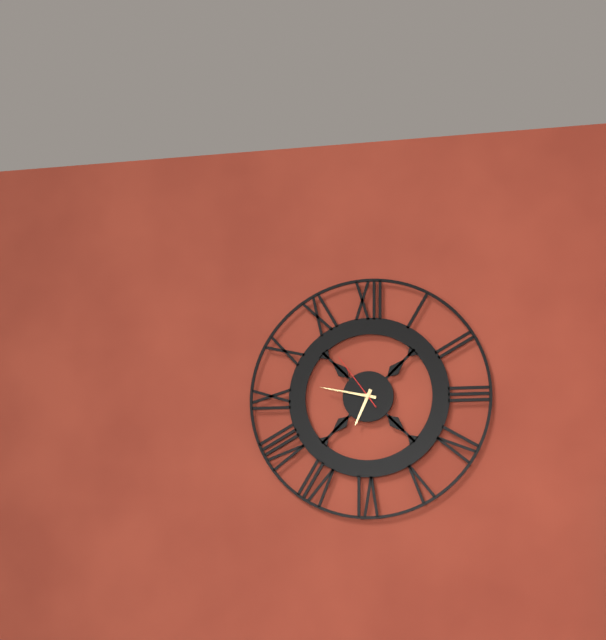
**6:47:54**
